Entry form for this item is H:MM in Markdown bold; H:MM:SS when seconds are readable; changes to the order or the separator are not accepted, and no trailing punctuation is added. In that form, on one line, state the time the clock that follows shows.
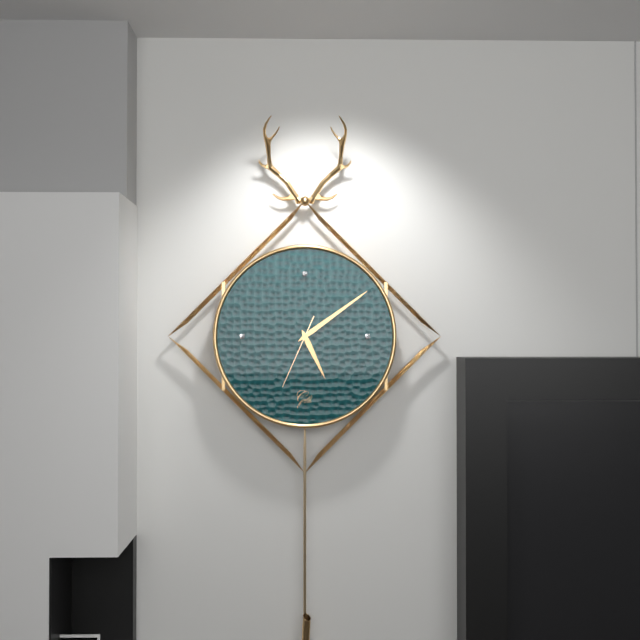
**5:09:34**
